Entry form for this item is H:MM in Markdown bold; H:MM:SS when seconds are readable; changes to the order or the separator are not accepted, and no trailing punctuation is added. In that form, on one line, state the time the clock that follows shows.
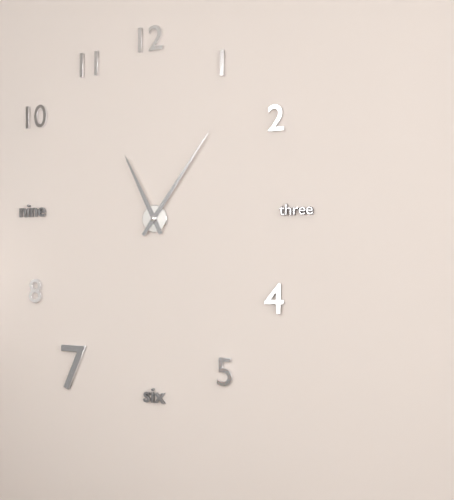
**11:06**
